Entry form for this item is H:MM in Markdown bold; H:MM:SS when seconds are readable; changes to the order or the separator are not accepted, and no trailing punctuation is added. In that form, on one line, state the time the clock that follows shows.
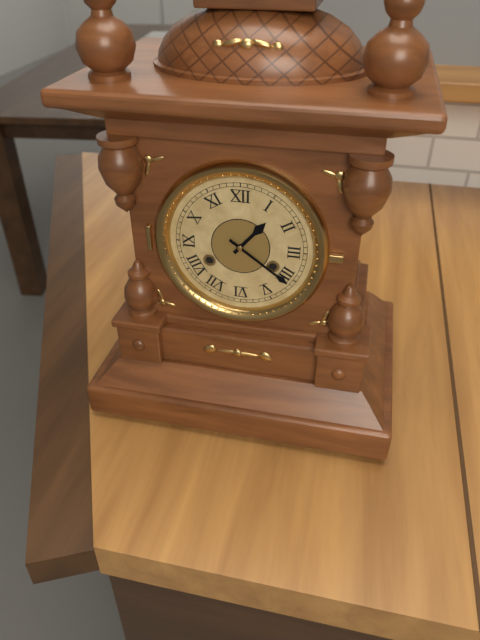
**1:21**
